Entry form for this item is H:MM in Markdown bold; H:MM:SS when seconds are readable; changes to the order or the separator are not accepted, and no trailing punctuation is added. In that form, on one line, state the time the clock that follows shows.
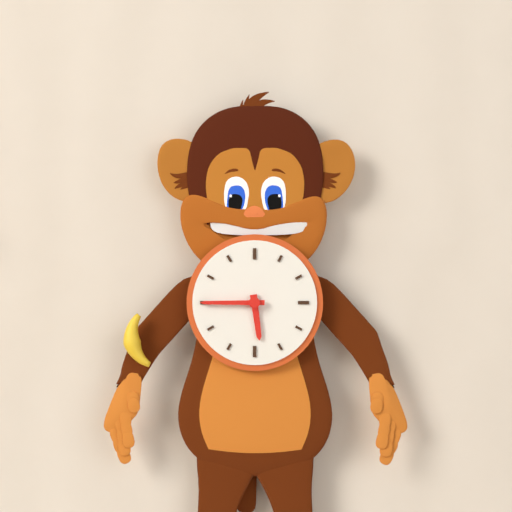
**5:45**
